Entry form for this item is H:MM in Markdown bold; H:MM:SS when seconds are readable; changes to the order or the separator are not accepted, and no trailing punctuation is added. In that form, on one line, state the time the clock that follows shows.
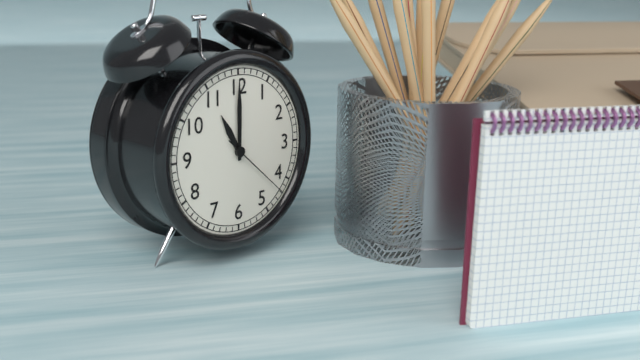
**11:00:22**
